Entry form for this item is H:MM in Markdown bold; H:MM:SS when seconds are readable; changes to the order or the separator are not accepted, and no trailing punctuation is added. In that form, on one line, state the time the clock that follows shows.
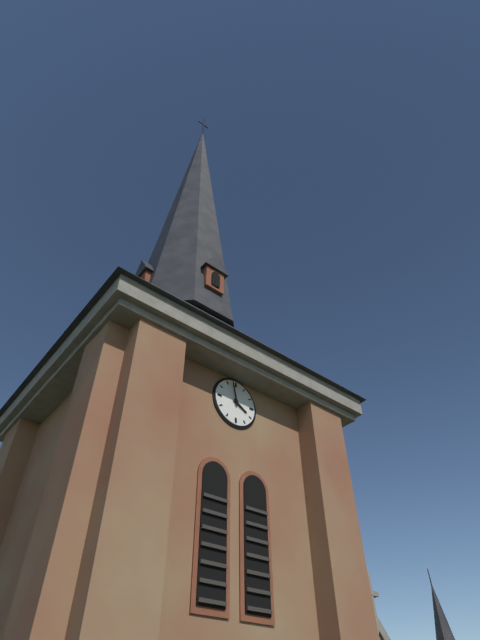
**3:58**
